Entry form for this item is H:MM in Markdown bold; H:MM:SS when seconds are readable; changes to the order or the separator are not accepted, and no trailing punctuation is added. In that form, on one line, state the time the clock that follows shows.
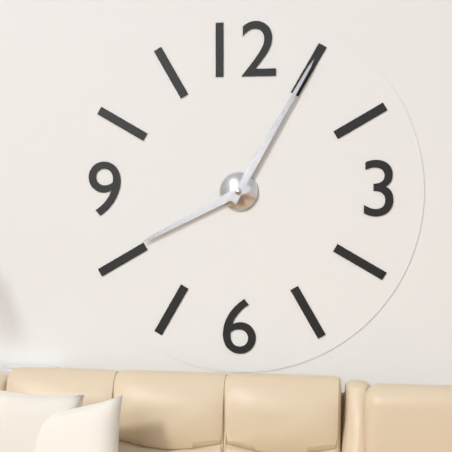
**8:05**
